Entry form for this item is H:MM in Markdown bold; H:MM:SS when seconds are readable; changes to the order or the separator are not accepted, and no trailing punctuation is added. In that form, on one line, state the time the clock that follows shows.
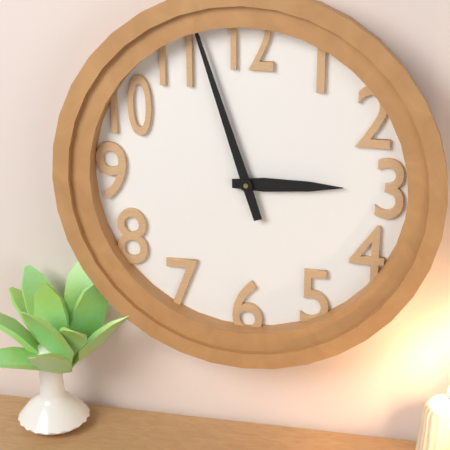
**2:57**
